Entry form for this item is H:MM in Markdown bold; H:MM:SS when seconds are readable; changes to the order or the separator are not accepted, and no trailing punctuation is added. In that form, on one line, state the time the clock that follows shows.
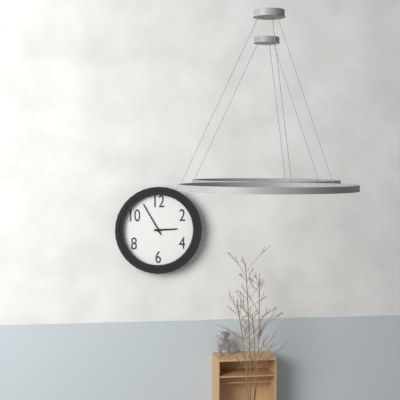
**2:55**
